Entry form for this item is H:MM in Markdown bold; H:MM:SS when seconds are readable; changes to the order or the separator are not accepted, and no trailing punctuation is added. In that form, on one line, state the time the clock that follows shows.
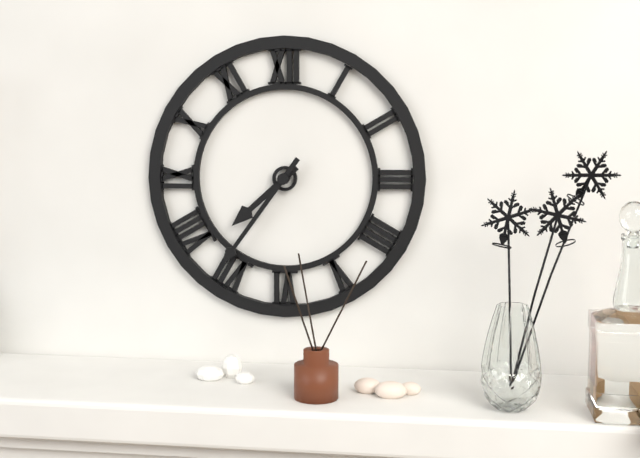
**7:36**
